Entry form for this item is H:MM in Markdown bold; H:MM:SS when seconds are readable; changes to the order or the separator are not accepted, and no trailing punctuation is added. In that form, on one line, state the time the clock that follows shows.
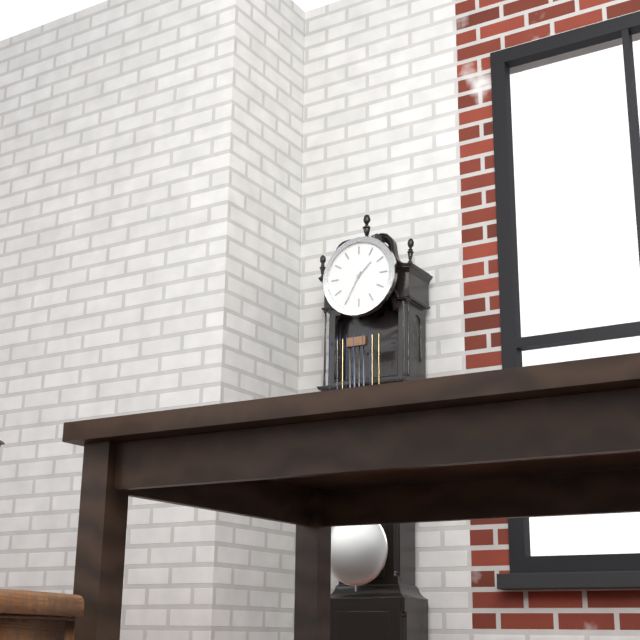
**1:35**
